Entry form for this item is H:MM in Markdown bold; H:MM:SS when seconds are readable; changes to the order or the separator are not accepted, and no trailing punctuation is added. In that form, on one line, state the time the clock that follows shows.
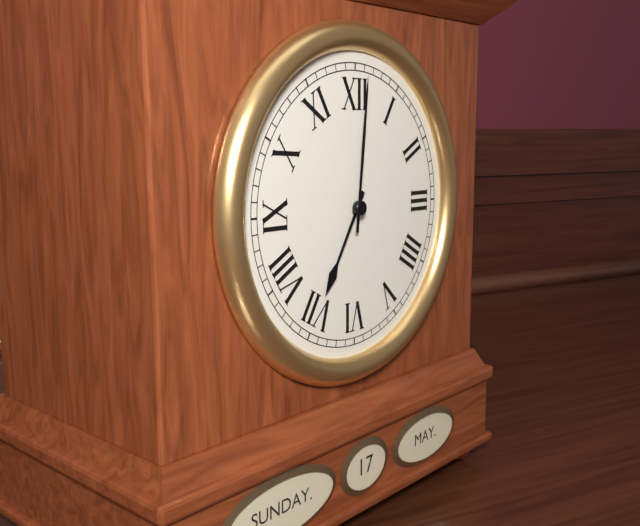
**7:01**
